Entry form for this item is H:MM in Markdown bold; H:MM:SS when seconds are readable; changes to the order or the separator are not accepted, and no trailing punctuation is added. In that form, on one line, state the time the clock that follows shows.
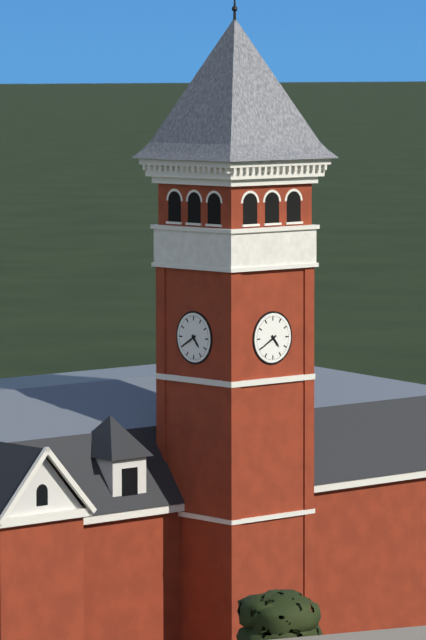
**4:40**
